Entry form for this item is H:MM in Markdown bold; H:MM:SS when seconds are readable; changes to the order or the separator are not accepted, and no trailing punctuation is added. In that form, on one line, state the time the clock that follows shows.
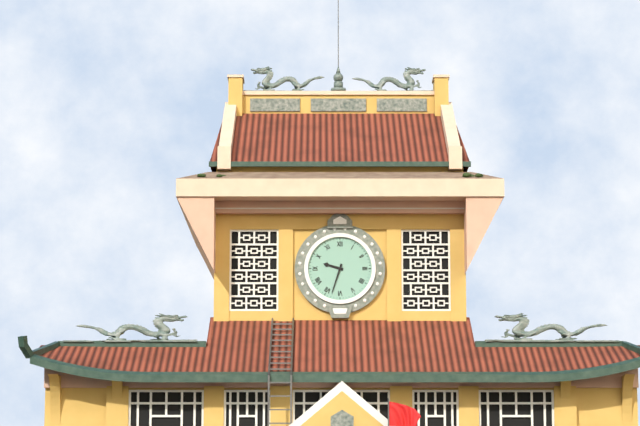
**9:33**
